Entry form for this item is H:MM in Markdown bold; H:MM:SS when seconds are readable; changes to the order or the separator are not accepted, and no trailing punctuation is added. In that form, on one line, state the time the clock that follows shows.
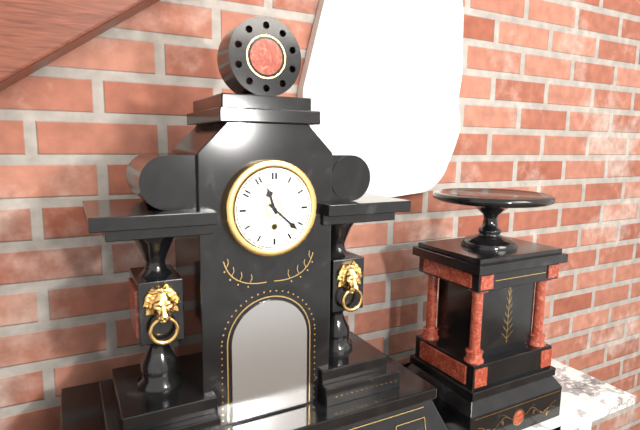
**11:22**
